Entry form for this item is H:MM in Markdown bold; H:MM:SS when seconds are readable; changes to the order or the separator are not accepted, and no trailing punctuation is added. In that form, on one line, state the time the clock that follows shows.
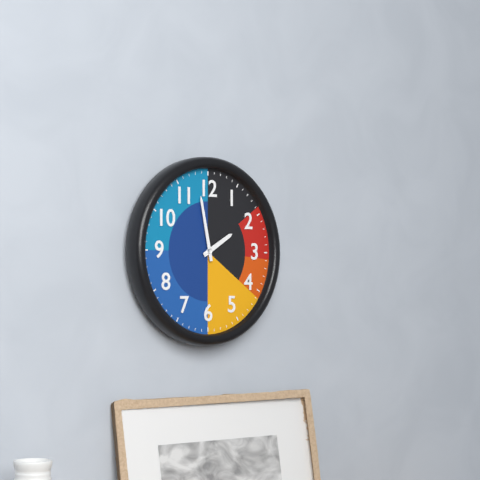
**1:58**
